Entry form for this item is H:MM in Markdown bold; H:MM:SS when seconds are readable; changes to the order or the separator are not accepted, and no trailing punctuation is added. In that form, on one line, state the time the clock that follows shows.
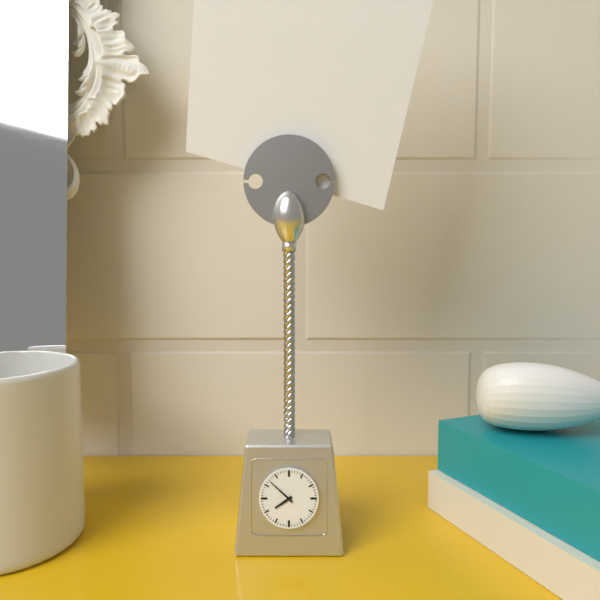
**7:52**
